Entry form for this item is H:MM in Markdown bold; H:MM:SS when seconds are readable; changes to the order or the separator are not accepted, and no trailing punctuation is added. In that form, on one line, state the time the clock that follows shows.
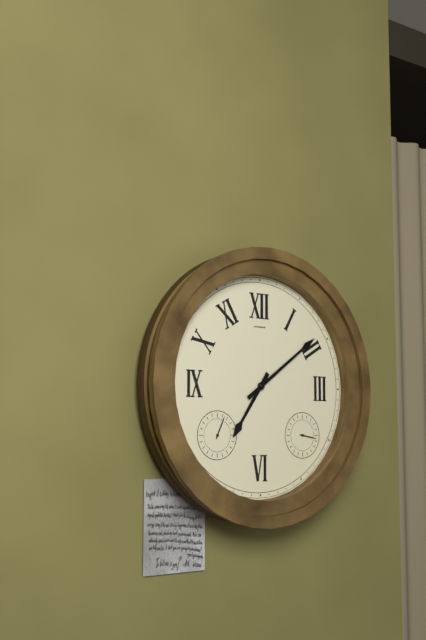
**7:09**
